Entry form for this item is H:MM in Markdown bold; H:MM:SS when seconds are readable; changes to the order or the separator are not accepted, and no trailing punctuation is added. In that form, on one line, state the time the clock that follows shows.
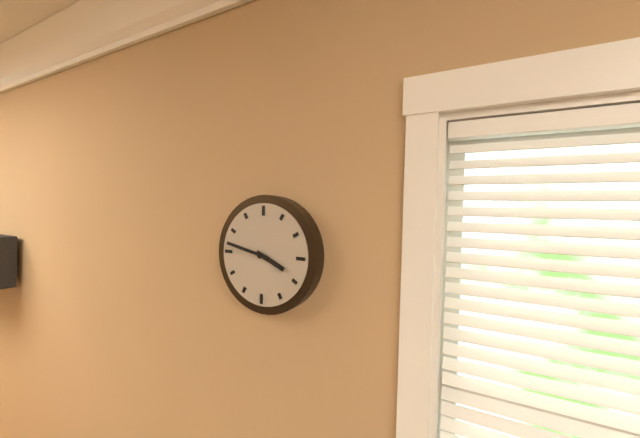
**3:47**
